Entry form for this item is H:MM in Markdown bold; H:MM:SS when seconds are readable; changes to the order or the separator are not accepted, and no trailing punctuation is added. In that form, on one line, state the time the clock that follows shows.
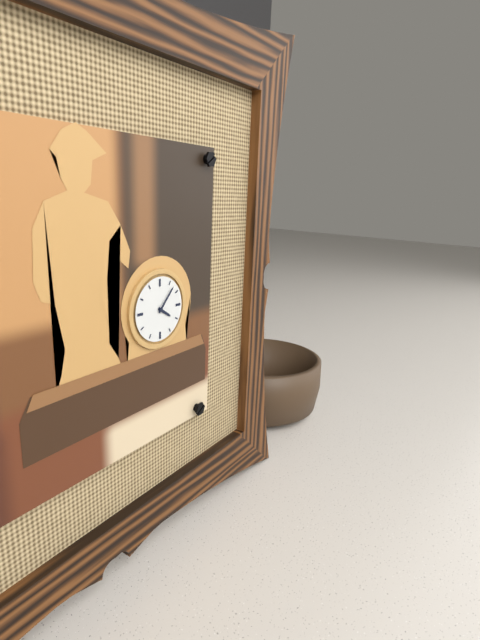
**4:07**
